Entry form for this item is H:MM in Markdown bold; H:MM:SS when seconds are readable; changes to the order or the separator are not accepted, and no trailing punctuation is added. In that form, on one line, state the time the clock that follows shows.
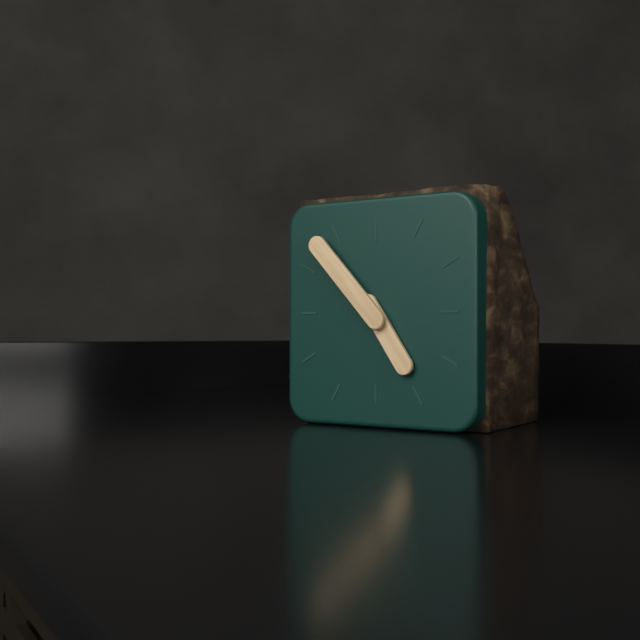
**4:53**
